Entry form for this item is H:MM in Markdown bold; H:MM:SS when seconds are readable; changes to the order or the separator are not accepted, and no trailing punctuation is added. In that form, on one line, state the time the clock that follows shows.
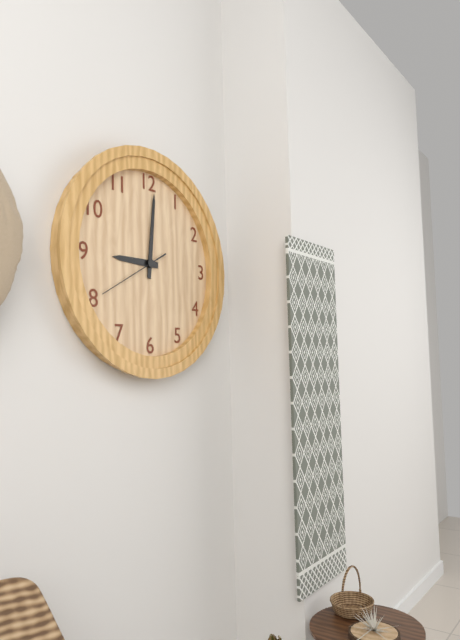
**9:01:40**
